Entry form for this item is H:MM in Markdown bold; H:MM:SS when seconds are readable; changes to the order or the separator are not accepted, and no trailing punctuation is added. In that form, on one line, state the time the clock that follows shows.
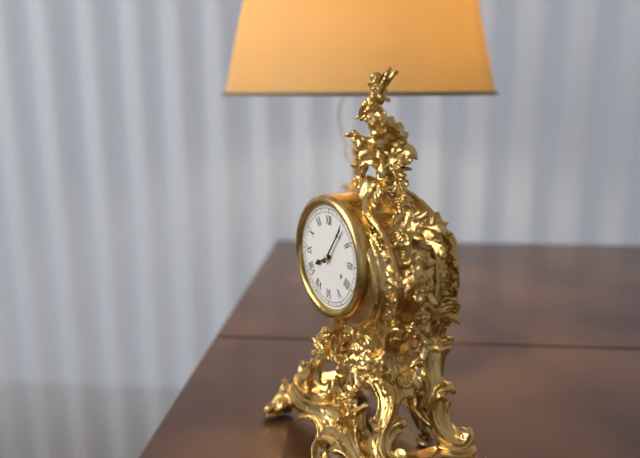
**8:06**
